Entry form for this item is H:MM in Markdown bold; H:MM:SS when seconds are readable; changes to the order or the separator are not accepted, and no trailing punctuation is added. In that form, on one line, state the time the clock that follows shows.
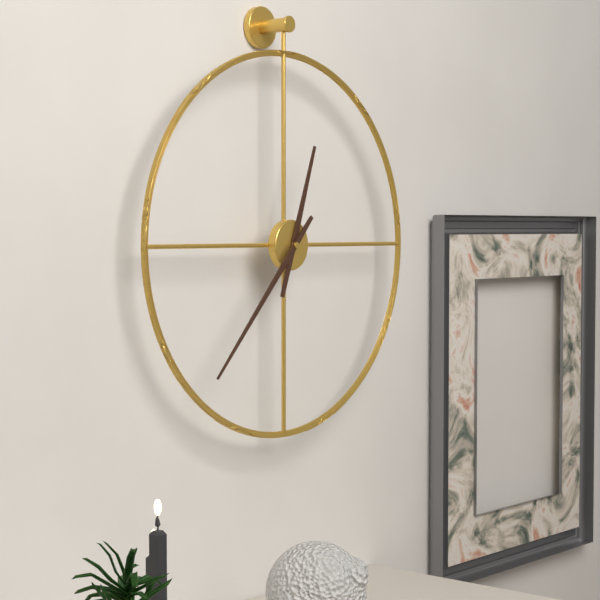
**12:37**
